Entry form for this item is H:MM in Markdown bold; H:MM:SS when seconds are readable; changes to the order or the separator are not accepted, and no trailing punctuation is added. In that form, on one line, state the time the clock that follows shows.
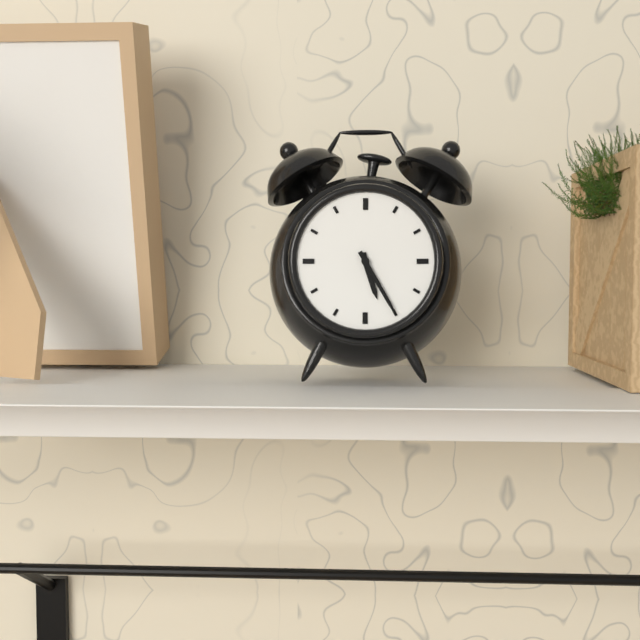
**5:25**
